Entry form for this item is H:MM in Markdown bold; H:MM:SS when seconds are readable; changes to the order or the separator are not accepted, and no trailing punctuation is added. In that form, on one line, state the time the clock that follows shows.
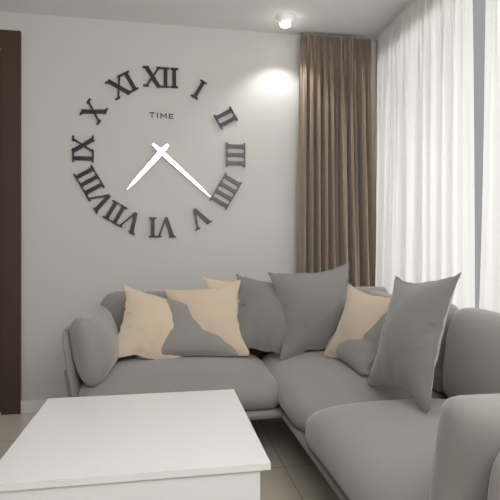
**7:22**
